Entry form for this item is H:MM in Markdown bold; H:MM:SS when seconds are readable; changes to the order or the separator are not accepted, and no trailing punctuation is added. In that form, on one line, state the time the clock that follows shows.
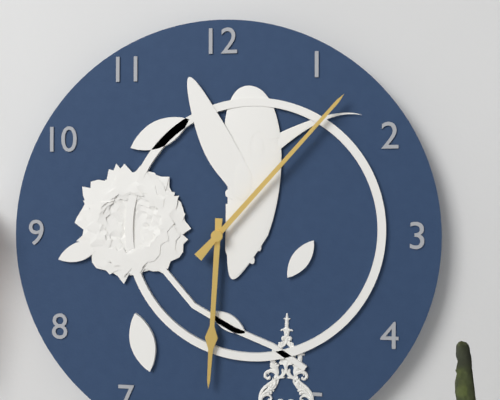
**6:07**
